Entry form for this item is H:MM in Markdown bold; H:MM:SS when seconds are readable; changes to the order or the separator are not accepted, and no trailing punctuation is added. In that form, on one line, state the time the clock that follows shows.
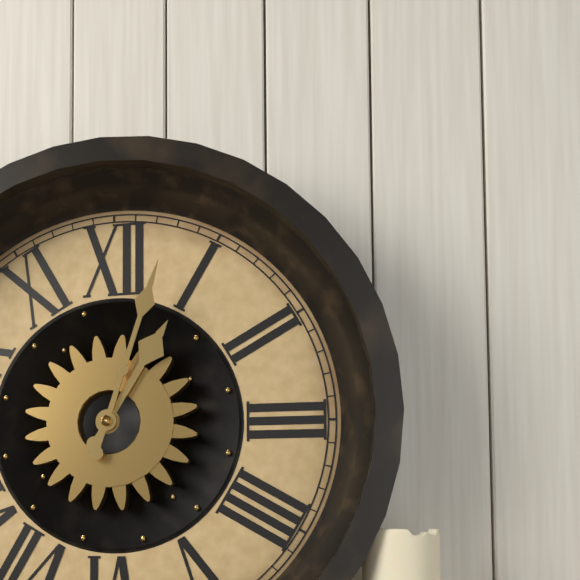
**1:03**
